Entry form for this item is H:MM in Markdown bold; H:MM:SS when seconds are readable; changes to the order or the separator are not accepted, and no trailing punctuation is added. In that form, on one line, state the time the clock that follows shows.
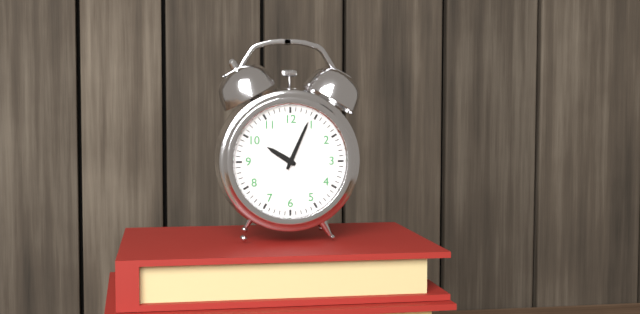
**10:04**
